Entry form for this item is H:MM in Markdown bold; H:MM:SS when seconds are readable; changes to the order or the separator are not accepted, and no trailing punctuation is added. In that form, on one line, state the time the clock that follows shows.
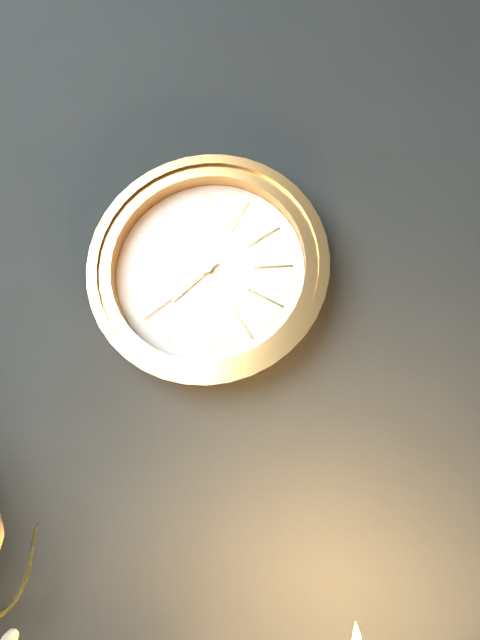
**7:39**
